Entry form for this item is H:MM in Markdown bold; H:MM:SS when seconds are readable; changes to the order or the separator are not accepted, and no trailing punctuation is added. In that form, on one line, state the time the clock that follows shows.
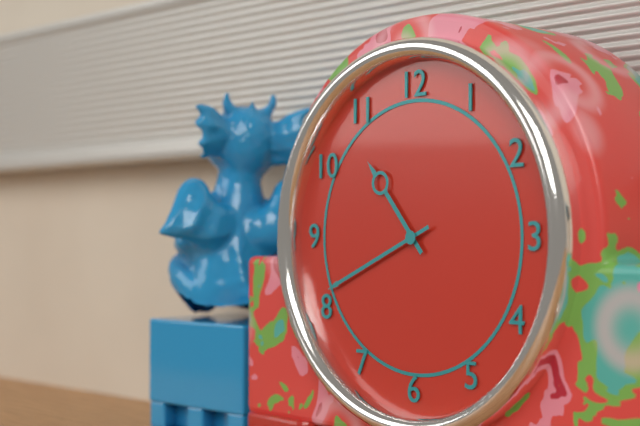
**10:41**
